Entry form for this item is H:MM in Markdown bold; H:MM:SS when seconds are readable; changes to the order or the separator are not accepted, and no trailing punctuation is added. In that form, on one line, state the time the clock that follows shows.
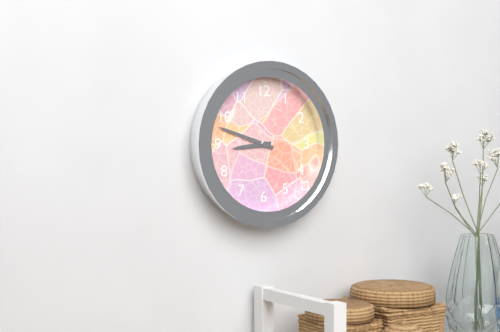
**8:48**
